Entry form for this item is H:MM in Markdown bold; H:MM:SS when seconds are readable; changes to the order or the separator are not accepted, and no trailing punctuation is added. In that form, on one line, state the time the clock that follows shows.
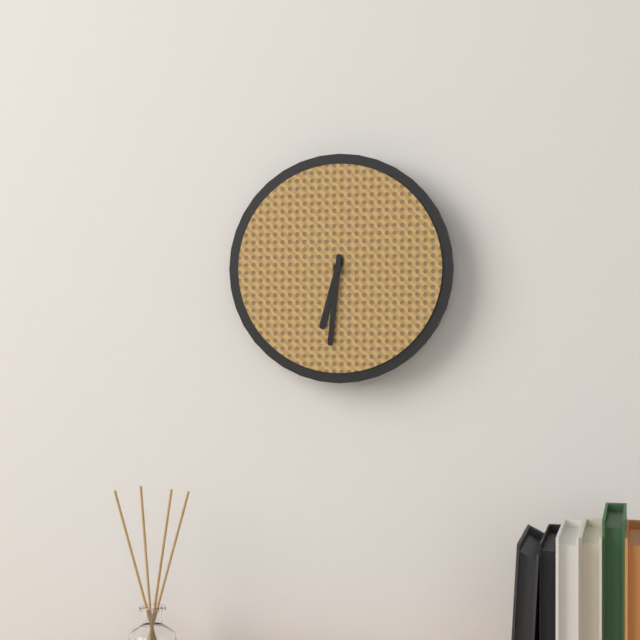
**6:31**
